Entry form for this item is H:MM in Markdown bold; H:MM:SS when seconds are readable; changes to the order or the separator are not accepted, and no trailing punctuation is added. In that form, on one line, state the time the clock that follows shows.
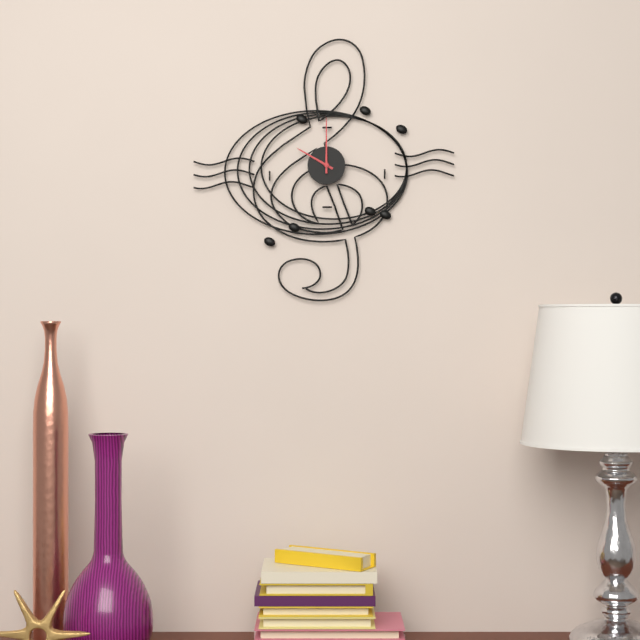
**10:00**
